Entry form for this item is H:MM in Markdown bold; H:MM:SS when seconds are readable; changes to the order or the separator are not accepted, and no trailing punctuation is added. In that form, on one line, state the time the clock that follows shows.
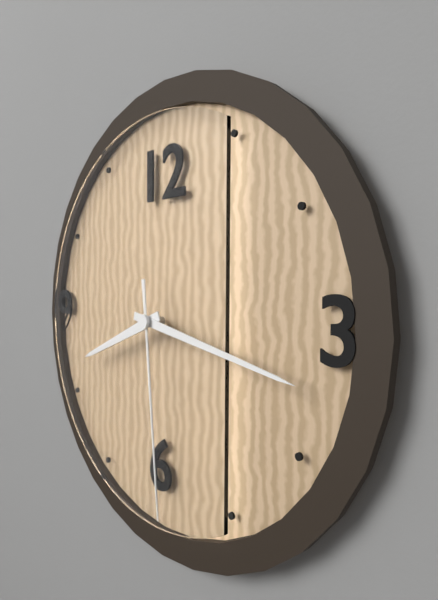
**8:17:29**
